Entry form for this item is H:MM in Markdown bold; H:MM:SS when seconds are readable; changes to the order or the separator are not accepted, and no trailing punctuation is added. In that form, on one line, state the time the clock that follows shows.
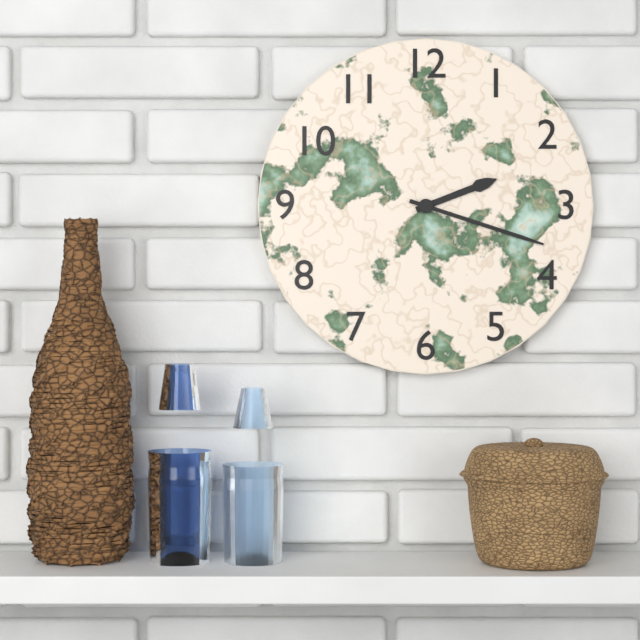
**2:18**
